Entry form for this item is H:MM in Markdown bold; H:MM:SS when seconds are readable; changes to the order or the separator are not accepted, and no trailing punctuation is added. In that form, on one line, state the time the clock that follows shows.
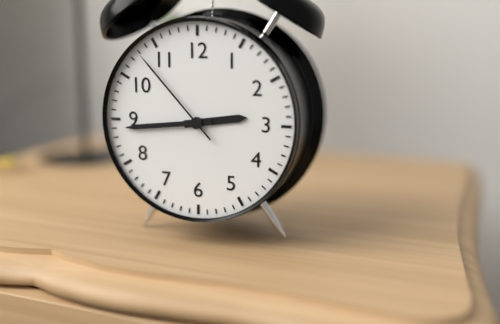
**2:44:53**
